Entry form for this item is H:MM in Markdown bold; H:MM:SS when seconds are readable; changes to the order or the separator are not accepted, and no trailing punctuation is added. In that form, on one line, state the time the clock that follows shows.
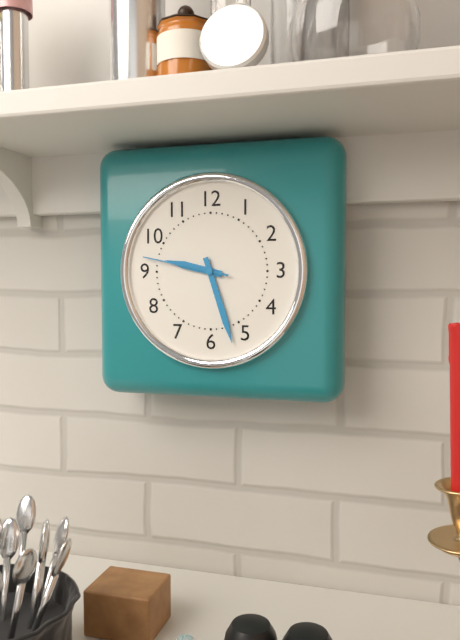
**9:27:47**
